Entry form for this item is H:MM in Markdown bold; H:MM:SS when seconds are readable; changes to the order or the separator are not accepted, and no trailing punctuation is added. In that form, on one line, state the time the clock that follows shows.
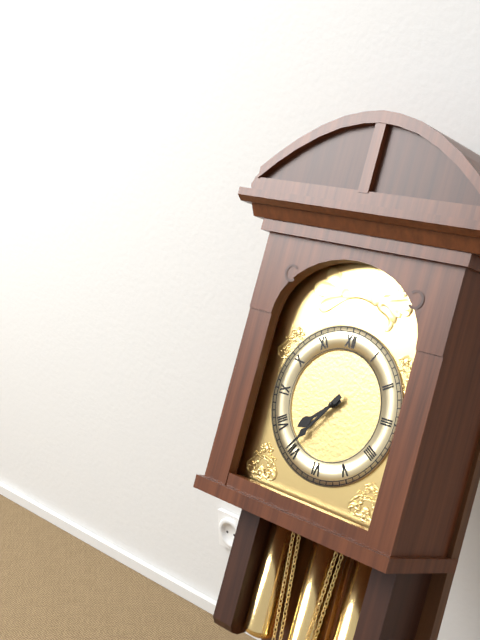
**7:36**
